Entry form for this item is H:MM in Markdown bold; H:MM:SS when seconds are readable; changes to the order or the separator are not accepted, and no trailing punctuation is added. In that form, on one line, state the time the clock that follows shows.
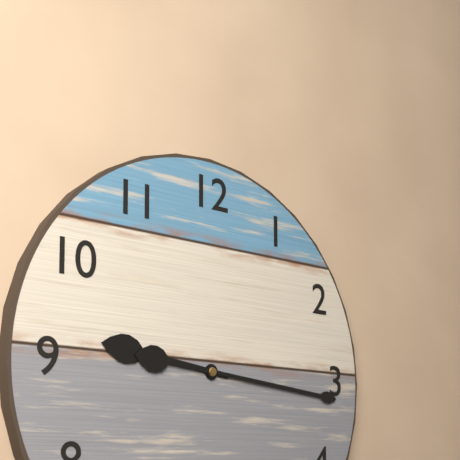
**9:16**
